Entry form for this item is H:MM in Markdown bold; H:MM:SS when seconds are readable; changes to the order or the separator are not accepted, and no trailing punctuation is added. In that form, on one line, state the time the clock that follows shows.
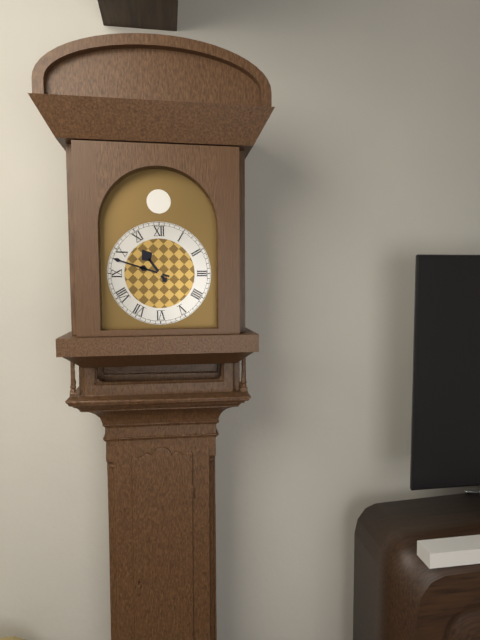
**10:48**
